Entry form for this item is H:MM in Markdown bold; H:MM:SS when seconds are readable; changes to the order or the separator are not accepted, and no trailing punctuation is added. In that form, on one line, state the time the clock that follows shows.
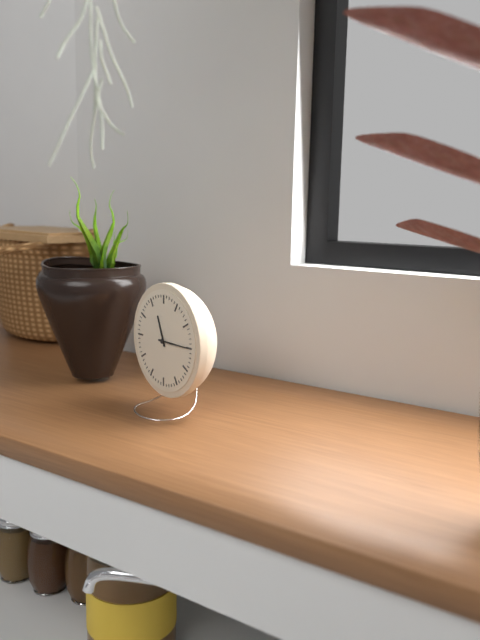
**11:15**
